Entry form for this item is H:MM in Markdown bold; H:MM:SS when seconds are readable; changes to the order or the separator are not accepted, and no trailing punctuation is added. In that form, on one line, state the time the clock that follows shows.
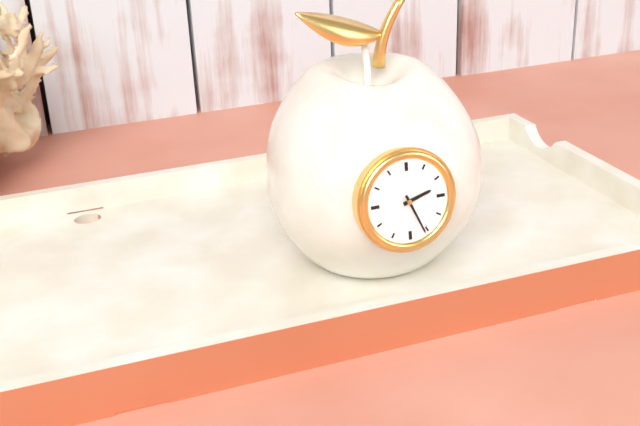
**2:26**
